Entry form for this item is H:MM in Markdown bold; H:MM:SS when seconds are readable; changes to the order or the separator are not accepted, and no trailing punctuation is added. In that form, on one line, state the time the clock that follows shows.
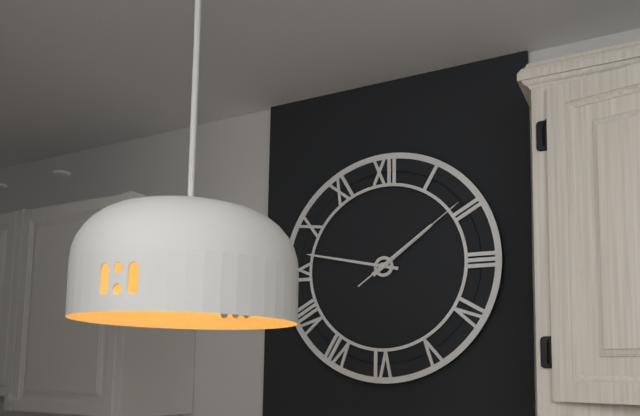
**1:47:09**
